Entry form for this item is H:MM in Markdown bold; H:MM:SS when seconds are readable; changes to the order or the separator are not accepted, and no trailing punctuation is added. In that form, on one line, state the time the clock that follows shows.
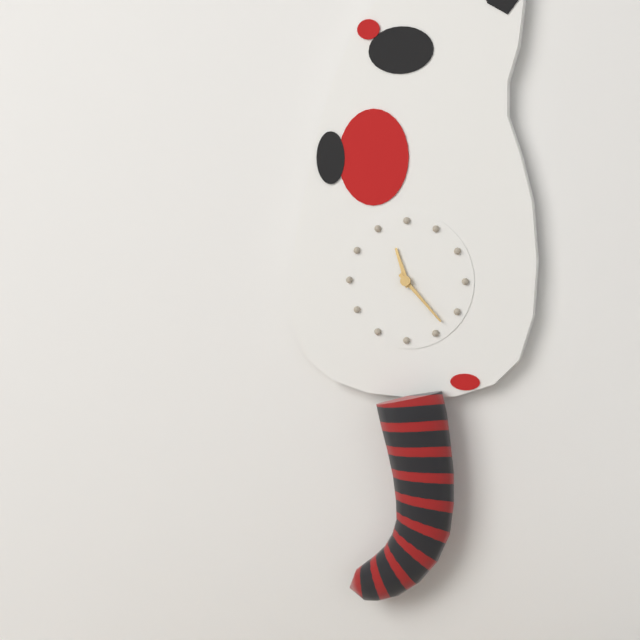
**11:23**
